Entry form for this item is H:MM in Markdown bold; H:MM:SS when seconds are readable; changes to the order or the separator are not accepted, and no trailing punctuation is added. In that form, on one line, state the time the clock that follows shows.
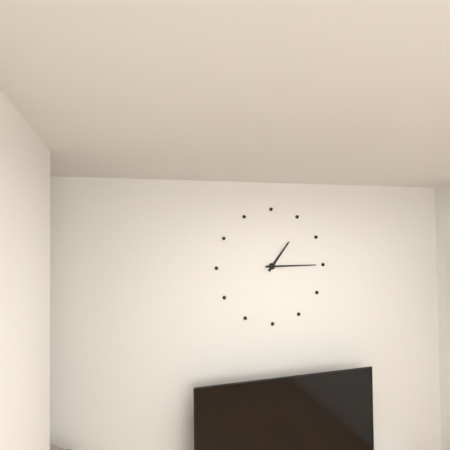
**1:15**
